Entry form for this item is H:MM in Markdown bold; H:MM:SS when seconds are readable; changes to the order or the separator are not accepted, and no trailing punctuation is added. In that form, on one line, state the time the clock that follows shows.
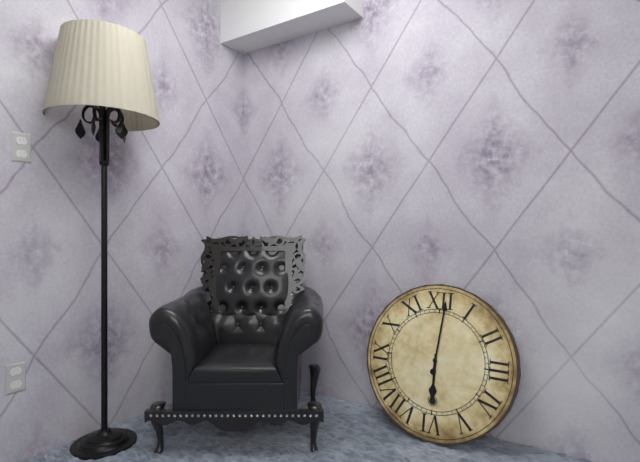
**6:01**
